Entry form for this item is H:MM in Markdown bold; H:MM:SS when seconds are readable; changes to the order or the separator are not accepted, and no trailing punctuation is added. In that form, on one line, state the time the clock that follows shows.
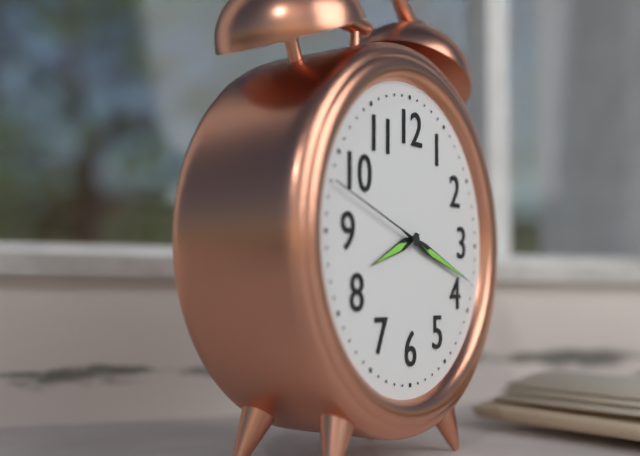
**8:18:48**
